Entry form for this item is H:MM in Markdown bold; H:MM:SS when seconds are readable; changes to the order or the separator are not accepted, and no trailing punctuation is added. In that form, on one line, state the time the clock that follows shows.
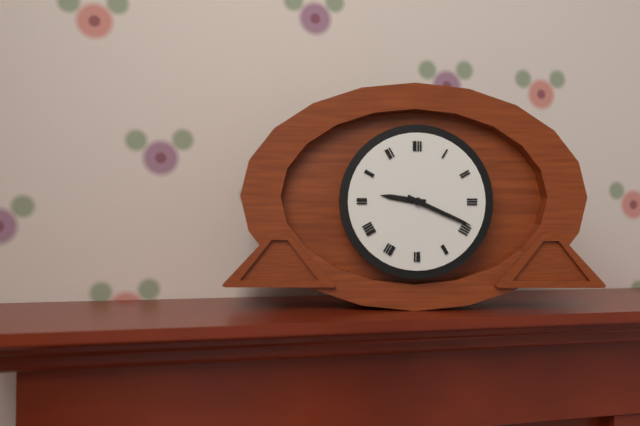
**9:19**
